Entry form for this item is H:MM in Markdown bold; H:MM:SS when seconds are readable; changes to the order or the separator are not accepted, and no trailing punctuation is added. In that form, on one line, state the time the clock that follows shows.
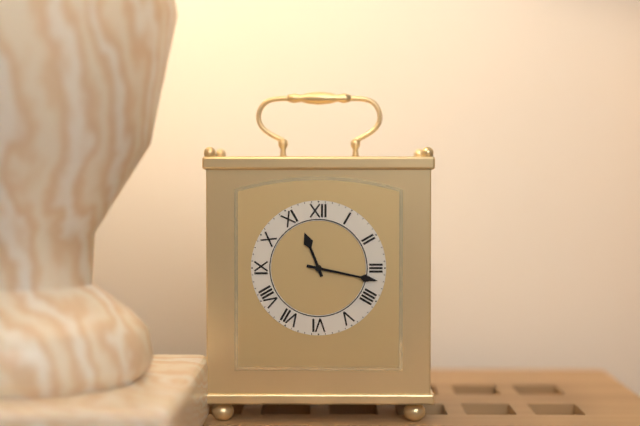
**11:17**
